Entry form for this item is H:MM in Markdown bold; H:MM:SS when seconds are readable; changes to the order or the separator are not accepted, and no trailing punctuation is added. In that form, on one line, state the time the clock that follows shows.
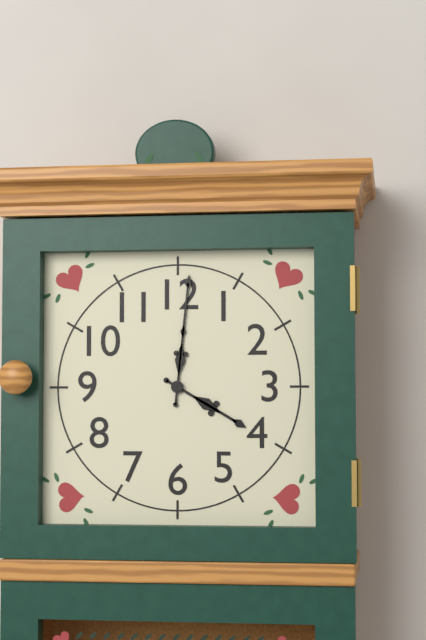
**4:01**
